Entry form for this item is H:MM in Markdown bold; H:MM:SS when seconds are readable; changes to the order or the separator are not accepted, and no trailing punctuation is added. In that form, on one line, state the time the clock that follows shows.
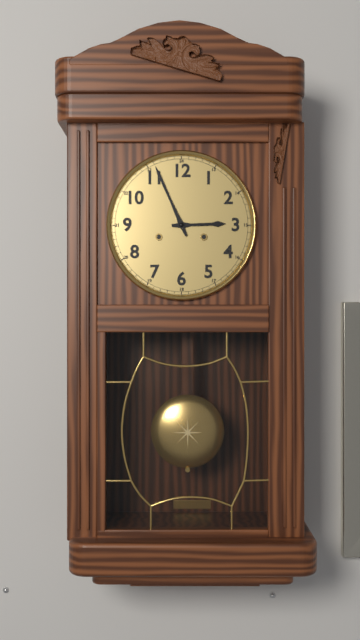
**2:56**
